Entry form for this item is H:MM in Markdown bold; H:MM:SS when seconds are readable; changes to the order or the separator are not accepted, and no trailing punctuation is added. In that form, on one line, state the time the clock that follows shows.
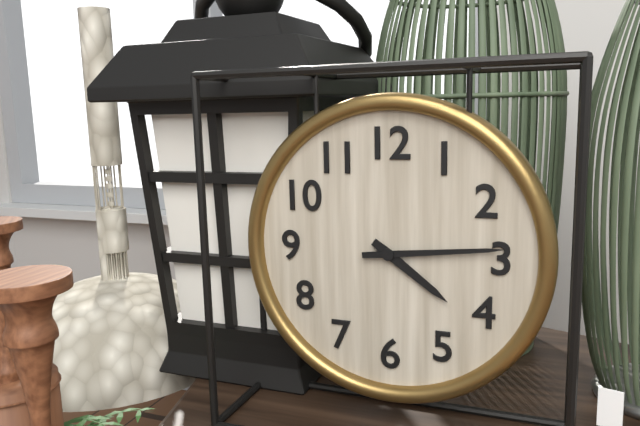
**4:14**
